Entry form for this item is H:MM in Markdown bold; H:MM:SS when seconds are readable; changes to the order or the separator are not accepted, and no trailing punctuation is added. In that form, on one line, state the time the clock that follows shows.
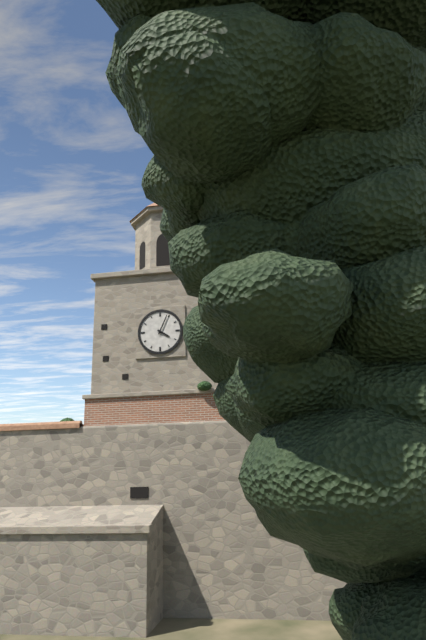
**4:04**
